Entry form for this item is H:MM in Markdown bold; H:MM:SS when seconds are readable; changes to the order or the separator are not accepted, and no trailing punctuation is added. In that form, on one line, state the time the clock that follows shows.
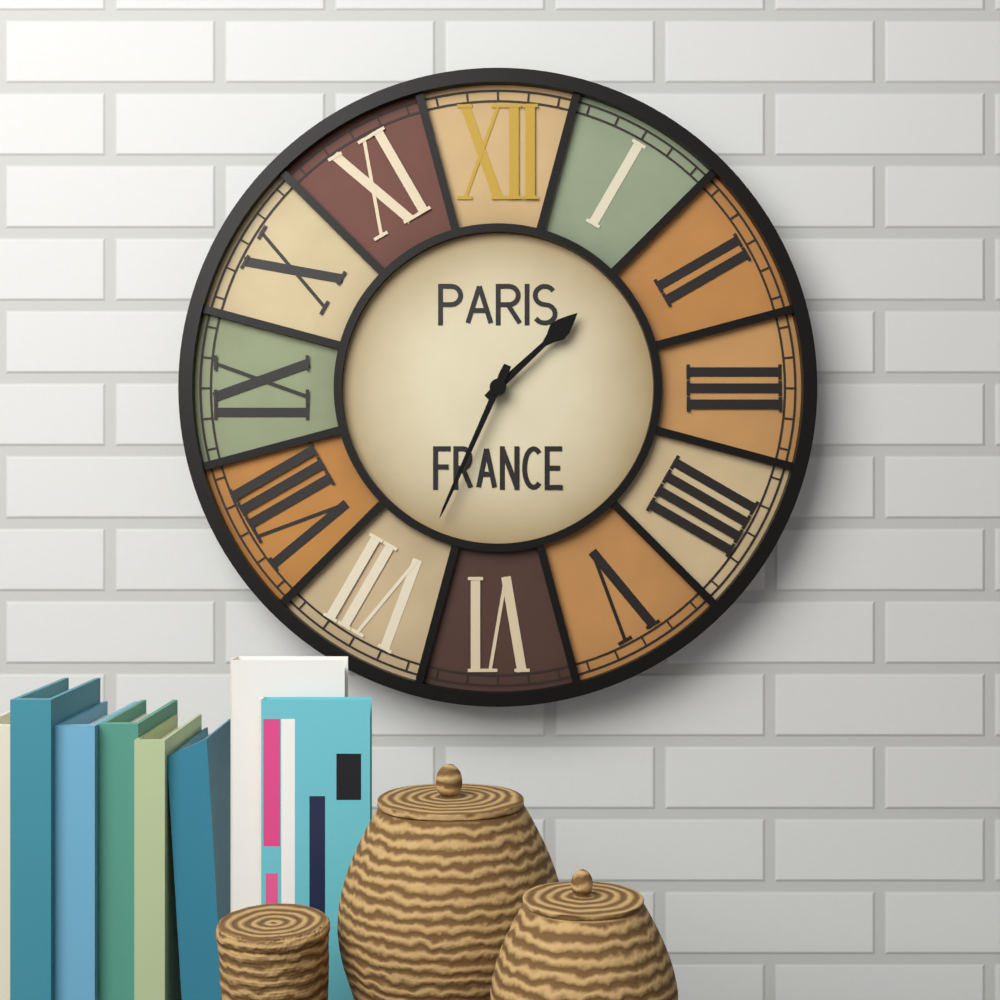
**1:34**
